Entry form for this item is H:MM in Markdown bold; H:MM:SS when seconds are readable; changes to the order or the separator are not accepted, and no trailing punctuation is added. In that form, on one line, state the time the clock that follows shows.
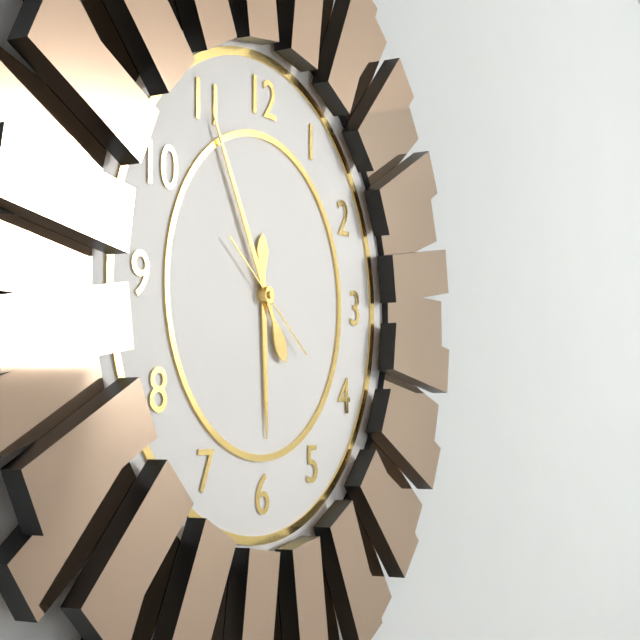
**5:55:21**
